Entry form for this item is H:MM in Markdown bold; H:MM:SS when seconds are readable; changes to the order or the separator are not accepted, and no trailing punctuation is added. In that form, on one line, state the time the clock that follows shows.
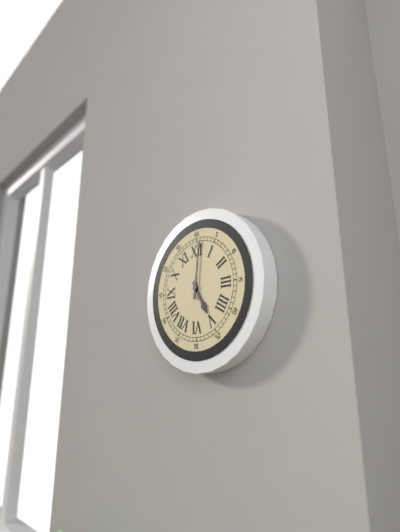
**5:01**
